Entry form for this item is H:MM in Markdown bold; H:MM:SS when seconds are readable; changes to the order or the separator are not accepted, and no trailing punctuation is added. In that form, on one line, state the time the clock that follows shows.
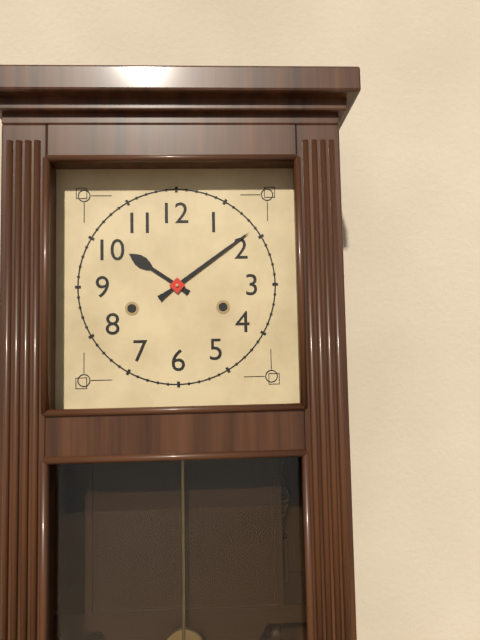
**10:09**
